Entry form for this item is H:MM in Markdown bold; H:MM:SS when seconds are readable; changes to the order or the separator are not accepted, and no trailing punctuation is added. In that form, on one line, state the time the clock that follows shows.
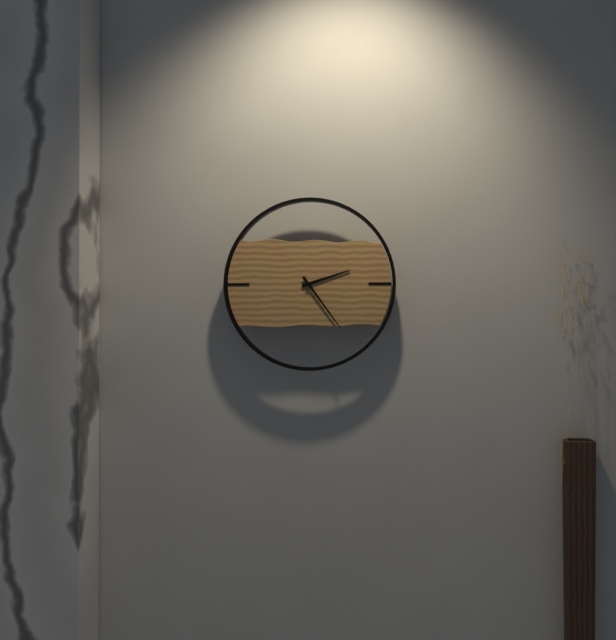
**2:24**
